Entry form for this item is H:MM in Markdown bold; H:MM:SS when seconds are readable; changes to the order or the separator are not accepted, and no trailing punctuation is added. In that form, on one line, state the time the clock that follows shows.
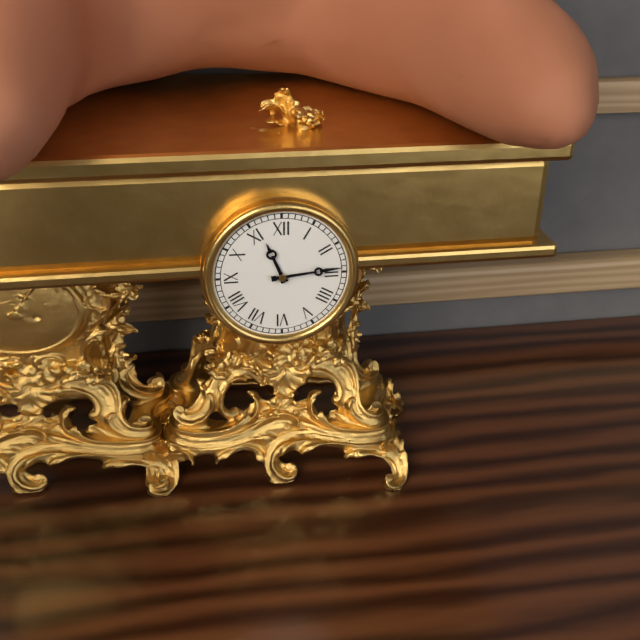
**11:14**
